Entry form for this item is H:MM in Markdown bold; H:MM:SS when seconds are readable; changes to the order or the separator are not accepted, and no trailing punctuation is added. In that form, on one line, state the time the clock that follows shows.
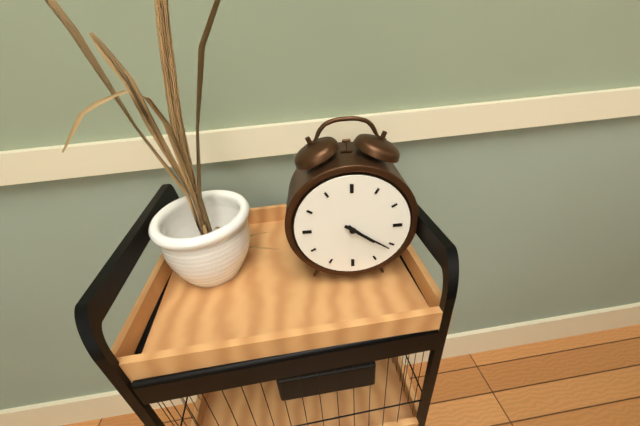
**4:21**
